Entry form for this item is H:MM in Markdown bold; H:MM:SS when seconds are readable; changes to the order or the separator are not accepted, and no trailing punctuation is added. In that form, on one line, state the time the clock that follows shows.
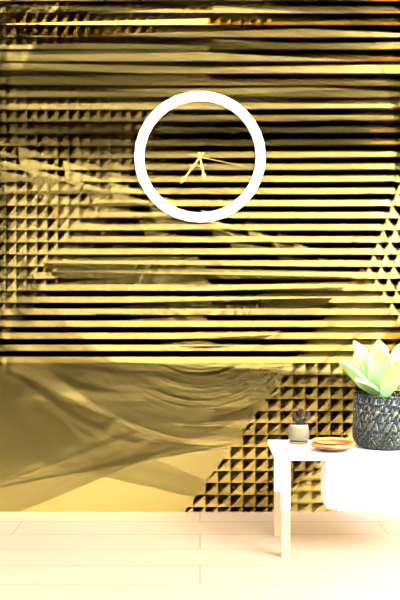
**5:36:17**
